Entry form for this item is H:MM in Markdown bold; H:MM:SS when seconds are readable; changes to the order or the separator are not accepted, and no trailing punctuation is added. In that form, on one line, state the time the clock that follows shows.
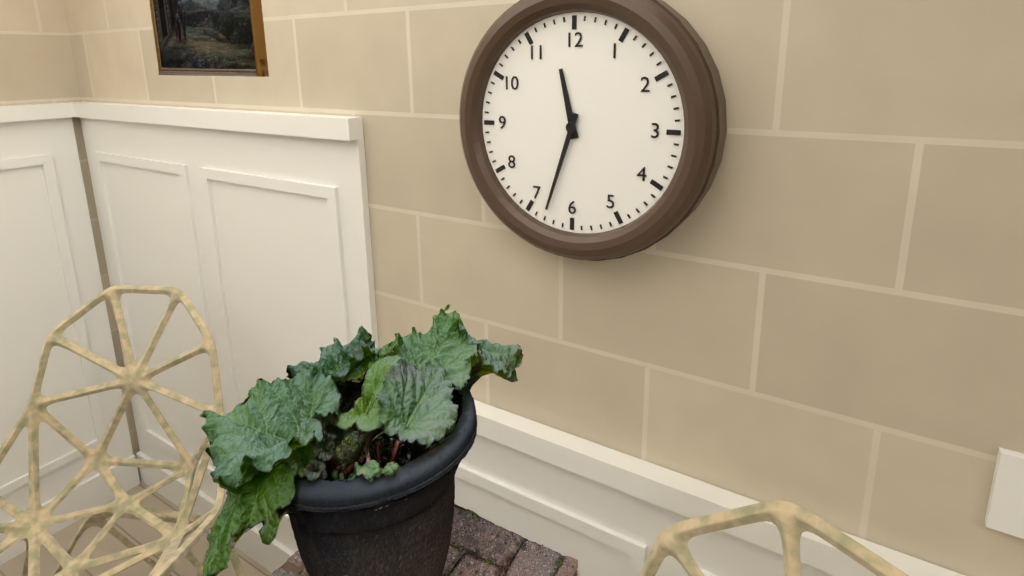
**11:33**
